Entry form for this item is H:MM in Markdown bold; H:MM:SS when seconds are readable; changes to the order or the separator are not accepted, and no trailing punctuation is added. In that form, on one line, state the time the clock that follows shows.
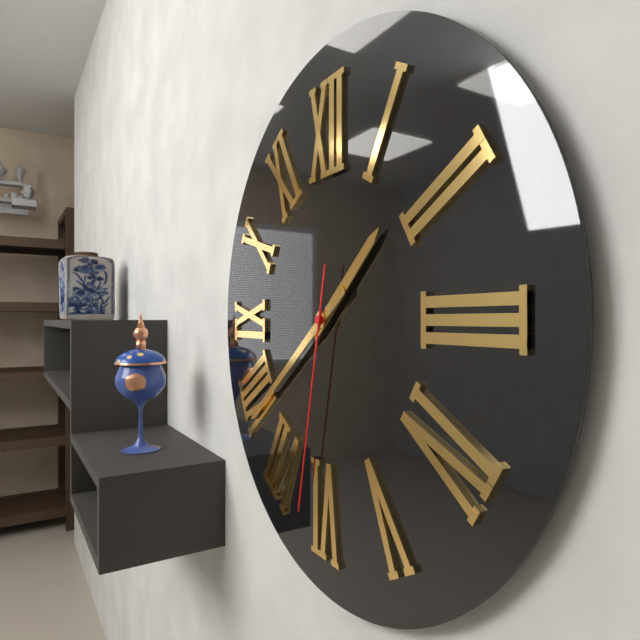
**1:39:32**
